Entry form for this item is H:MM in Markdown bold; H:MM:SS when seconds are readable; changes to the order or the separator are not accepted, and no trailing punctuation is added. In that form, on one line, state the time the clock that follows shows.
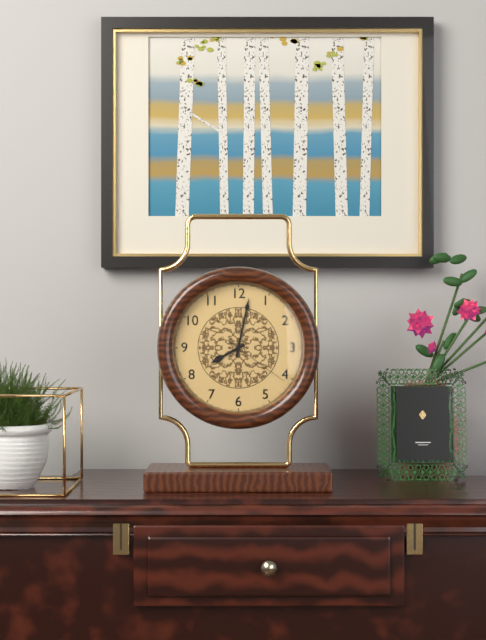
**8:02:21**
